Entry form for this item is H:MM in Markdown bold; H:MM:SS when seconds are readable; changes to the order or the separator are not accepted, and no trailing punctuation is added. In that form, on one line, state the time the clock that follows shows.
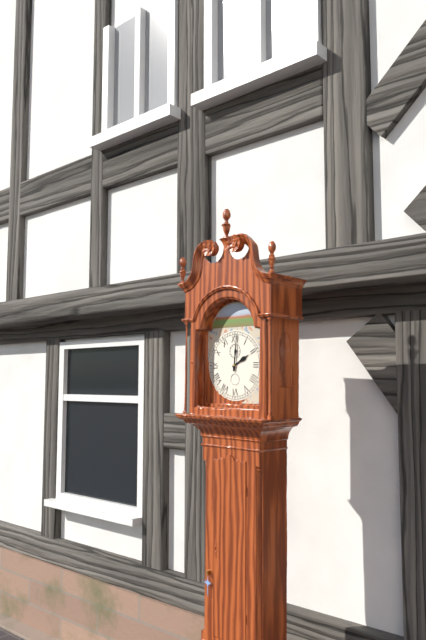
**2:01**
